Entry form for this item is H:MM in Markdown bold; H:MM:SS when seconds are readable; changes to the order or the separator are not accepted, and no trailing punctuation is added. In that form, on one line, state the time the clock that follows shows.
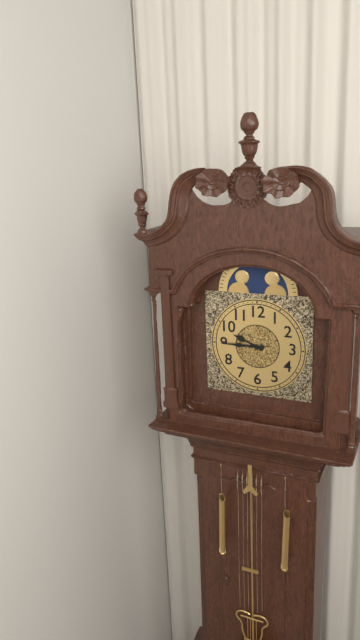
**9:45**
